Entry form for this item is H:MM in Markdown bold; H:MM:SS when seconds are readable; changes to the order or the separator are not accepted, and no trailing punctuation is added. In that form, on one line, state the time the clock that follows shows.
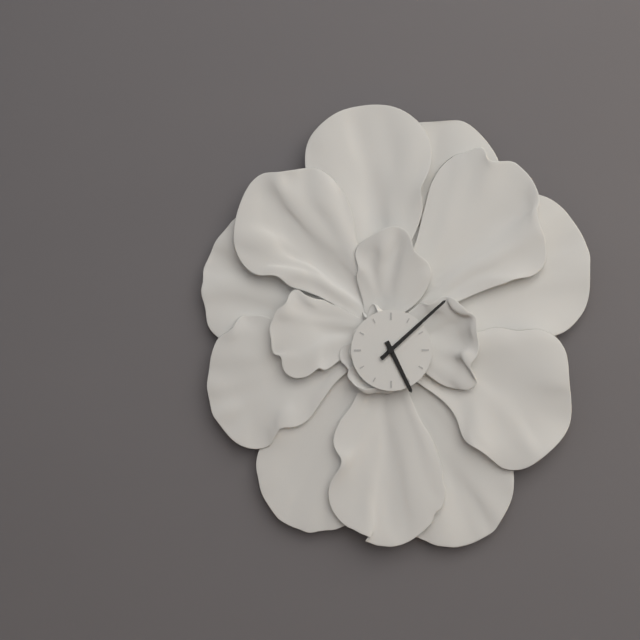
**5:08**
